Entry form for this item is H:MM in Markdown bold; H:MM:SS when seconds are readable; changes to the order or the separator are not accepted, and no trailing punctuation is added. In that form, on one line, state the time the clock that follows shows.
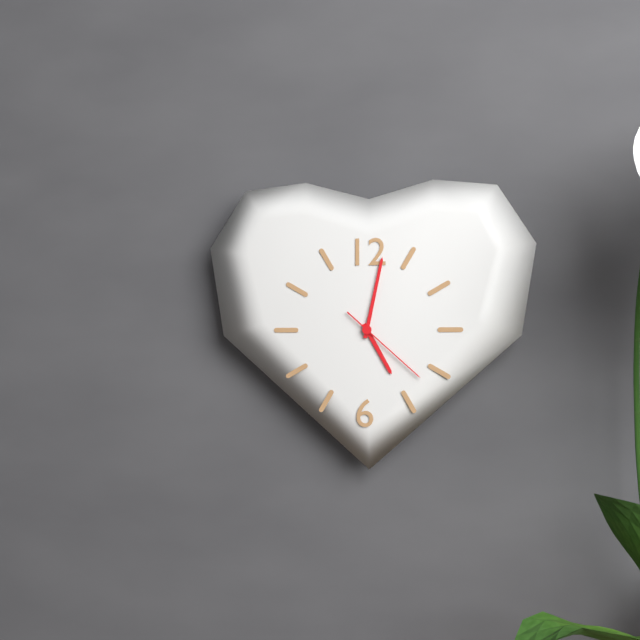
**5:02:22**
